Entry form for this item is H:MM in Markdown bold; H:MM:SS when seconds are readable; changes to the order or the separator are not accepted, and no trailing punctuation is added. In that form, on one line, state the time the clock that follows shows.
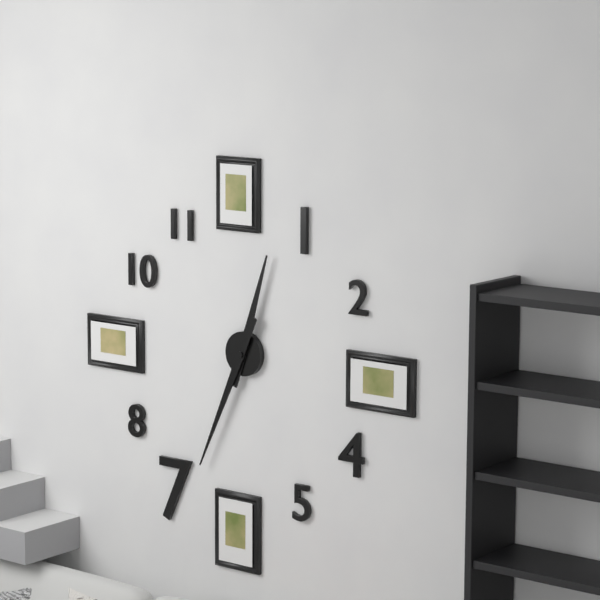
**12:34**
